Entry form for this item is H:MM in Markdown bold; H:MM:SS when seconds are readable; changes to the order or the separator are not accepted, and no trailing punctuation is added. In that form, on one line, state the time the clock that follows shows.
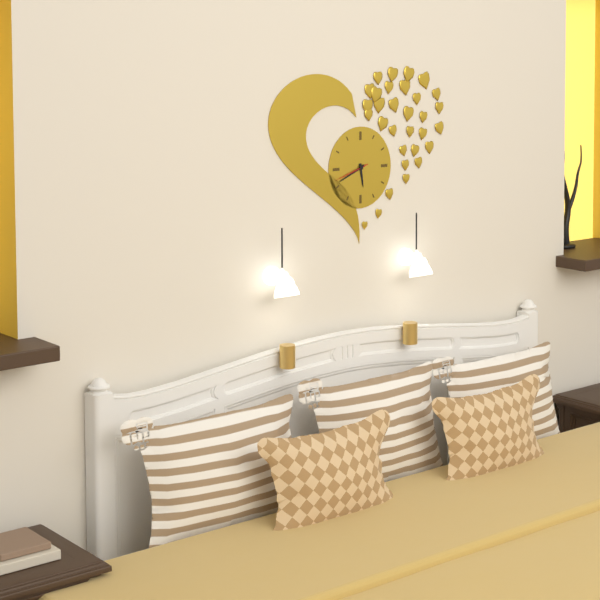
**5:41**
